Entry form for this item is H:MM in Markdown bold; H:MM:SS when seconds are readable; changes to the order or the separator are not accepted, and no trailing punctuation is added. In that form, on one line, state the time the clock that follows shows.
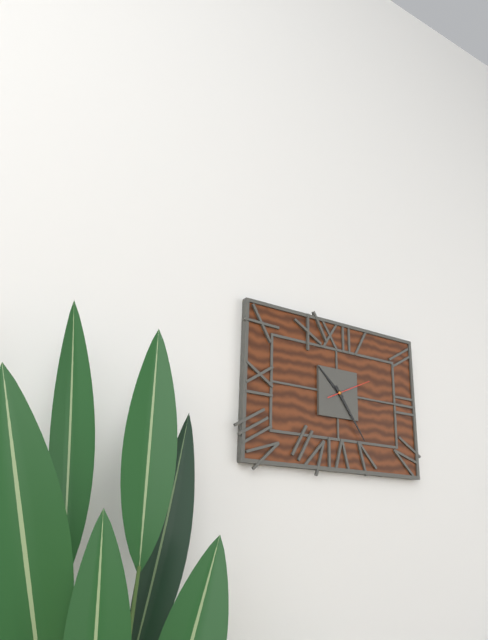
**10:24**
